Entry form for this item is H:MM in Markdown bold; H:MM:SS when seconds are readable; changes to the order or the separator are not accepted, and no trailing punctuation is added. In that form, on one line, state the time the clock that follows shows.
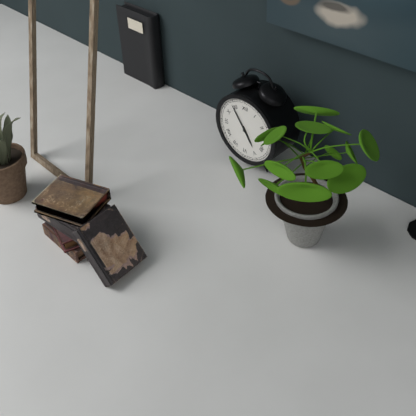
**4:54**
